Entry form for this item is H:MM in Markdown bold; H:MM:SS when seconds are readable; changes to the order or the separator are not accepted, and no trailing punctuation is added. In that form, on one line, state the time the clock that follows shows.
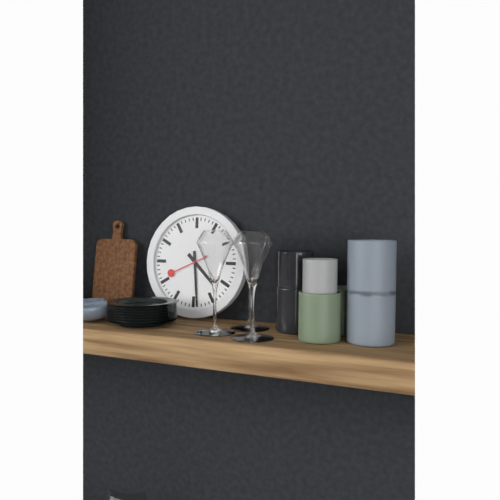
**4:29**
